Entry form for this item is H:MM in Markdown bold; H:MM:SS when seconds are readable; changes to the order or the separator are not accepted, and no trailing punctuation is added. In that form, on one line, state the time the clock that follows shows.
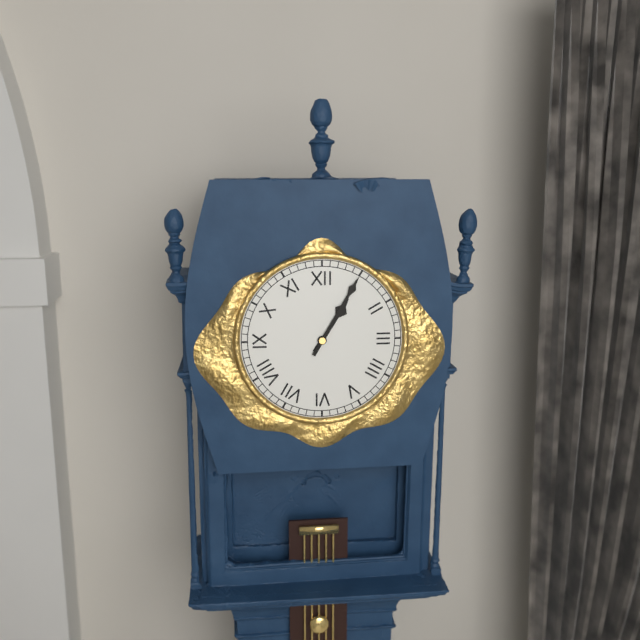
**1:05**
